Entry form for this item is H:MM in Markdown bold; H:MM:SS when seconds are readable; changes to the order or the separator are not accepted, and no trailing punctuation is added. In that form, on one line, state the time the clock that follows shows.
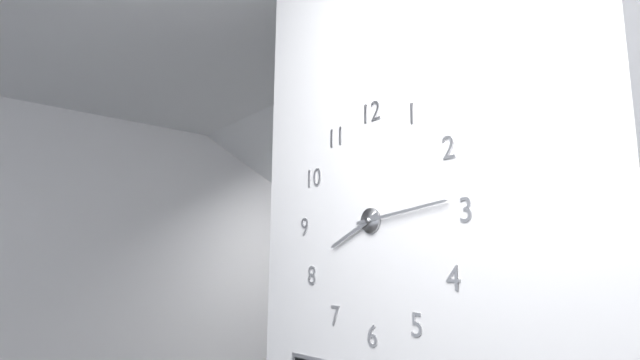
**8:14**
